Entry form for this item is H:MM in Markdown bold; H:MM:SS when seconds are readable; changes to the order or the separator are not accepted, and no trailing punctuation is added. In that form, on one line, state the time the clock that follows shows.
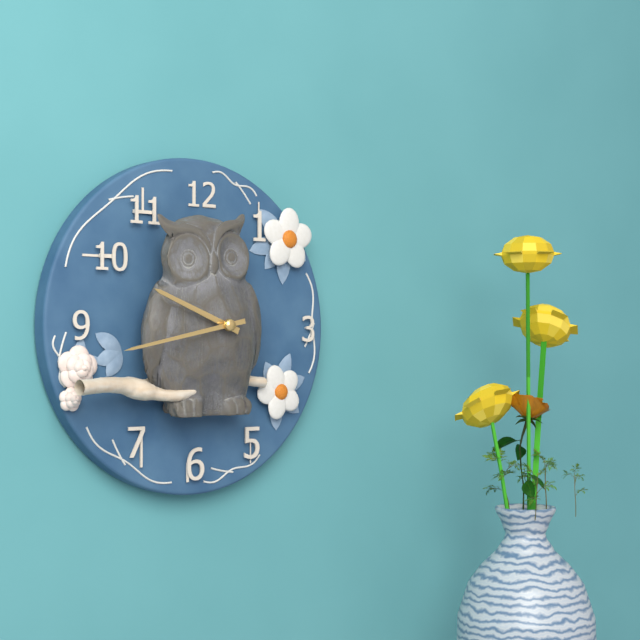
**9:43**
